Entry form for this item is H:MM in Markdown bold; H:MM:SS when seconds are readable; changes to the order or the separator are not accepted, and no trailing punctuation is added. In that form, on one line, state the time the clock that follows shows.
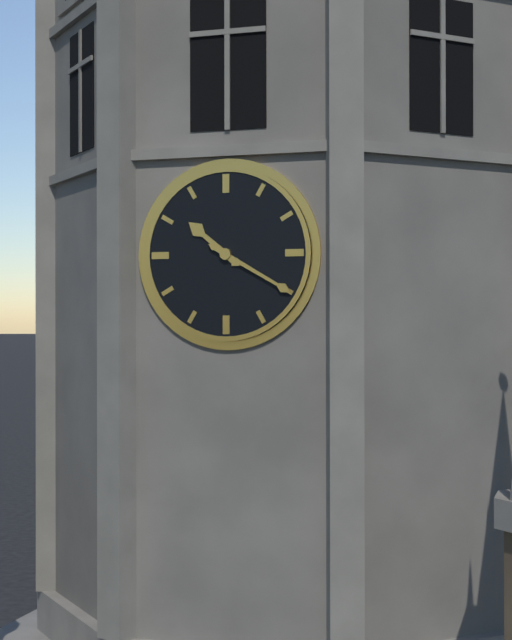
**10:20**
